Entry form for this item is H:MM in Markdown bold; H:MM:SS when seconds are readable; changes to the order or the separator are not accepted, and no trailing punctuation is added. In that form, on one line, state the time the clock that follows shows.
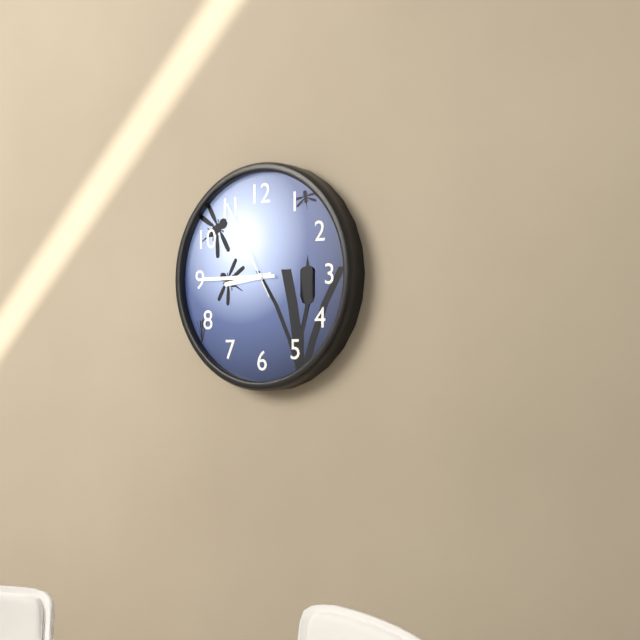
**8:45:55**
